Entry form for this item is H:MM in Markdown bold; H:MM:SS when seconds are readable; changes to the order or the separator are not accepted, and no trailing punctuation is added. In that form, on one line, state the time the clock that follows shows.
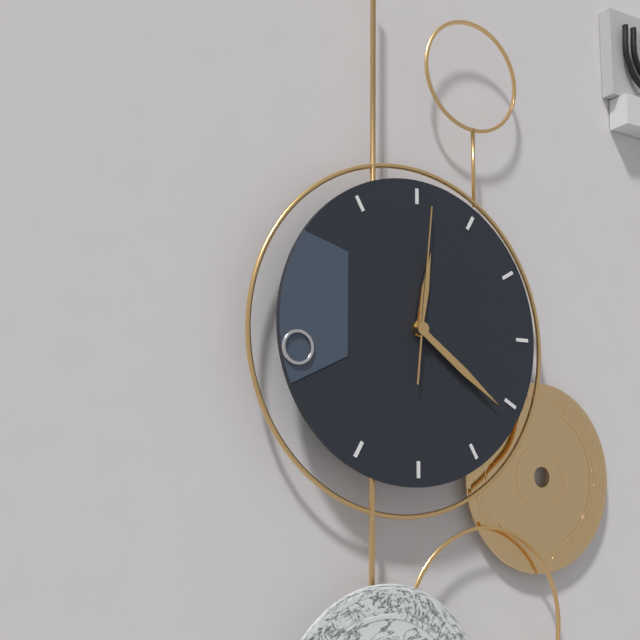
**12:21:01**
